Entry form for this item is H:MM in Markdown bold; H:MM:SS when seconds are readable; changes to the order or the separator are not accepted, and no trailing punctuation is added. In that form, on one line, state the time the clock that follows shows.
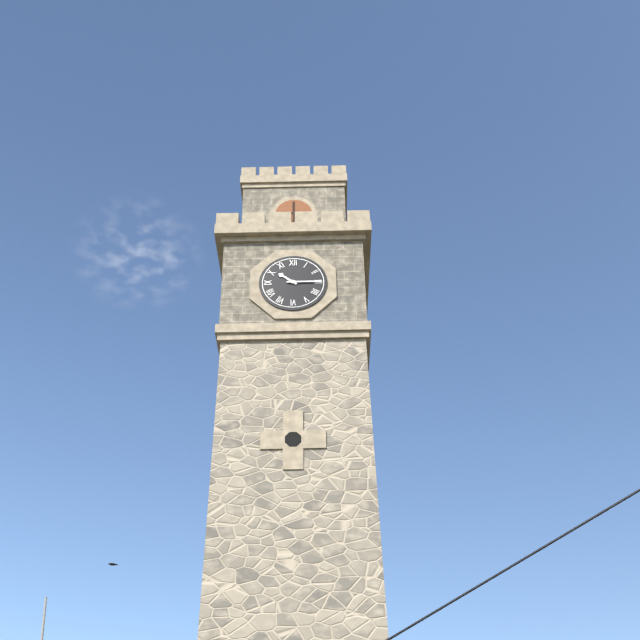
**10:15**
